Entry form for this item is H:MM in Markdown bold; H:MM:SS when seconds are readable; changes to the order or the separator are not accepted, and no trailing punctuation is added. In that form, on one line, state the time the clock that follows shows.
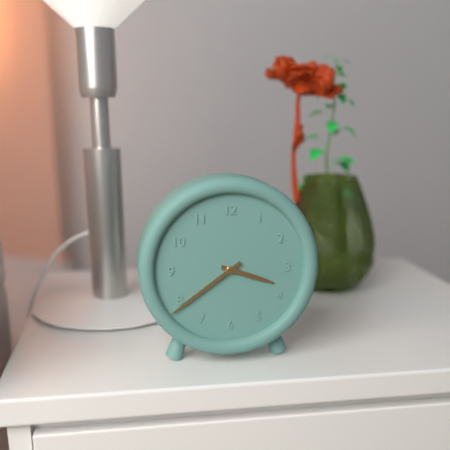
**3:39**
